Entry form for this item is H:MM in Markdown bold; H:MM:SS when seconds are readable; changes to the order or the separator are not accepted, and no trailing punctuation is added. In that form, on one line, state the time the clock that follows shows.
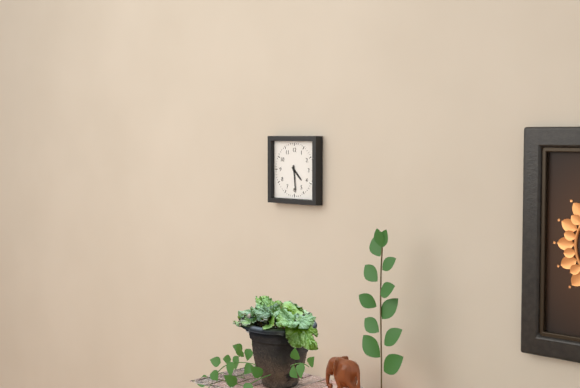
**4:29**
